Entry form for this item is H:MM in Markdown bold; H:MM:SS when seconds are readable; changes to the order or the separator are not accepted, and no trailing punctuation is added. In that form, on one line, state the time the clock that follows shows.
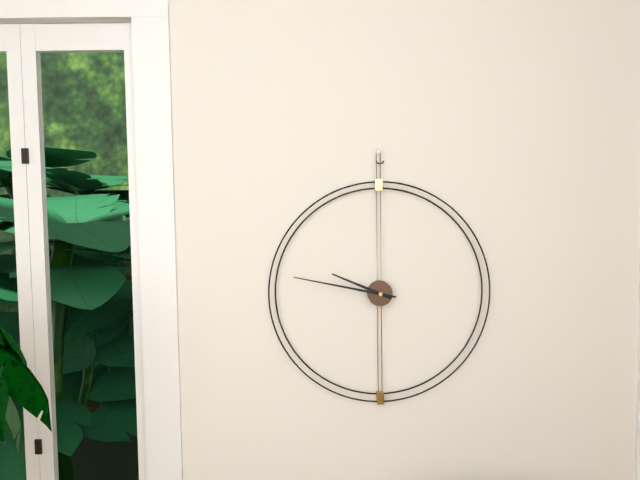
**9:47**
